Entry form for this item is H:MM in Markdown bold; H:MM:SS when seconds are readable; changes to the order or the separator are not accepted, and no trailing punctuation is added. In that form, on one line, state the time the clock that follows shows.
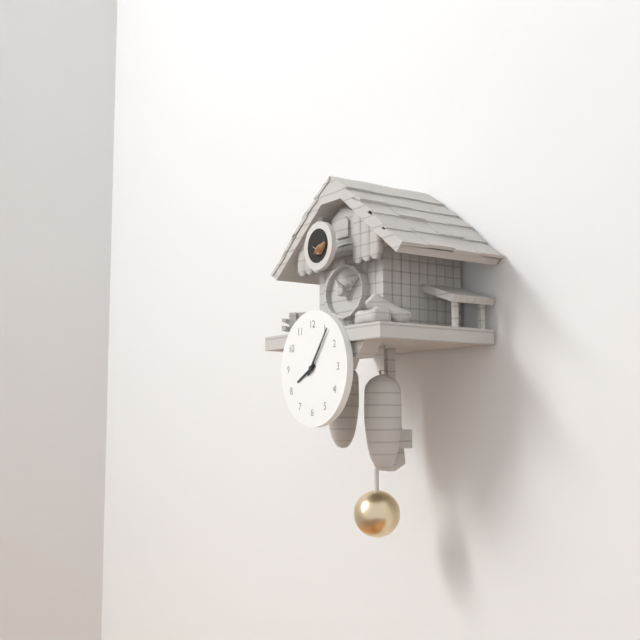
**8:06**
